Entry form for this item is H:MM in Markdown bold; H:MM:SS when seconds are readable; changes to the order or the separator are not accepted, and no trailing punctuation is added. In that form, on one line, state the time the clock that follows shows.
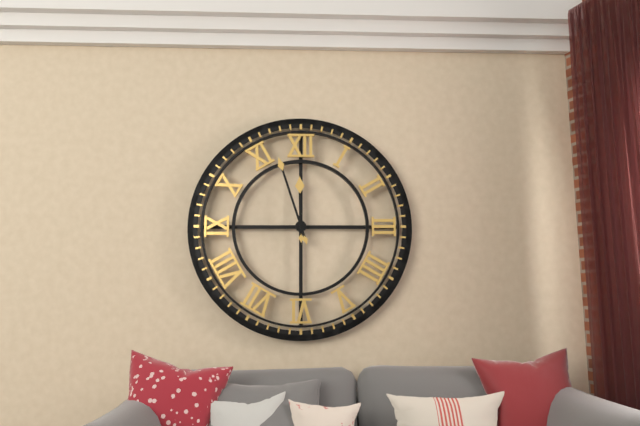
**11:57**
